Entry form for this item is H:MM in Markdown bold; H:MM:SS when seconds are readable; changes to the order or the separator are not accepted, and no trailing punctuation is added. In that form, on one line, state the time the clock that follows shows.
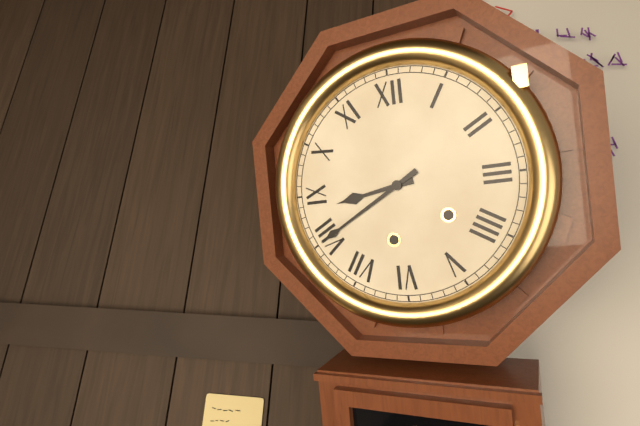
**8:40**
